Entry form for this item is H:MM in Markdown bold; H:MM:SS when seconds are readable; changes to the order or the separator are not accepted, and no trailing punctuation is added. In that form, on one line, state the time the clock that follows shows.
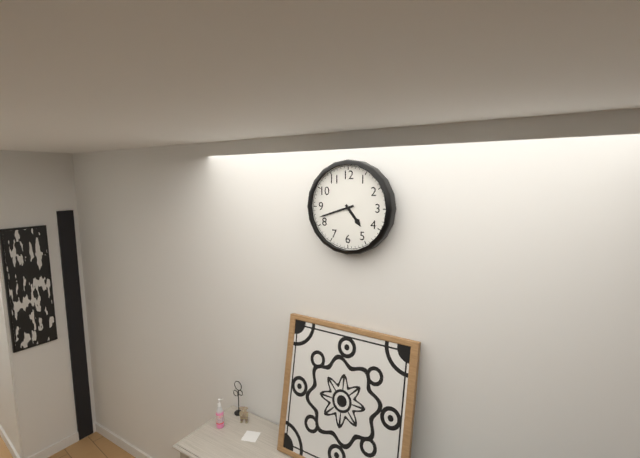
**4:42**
